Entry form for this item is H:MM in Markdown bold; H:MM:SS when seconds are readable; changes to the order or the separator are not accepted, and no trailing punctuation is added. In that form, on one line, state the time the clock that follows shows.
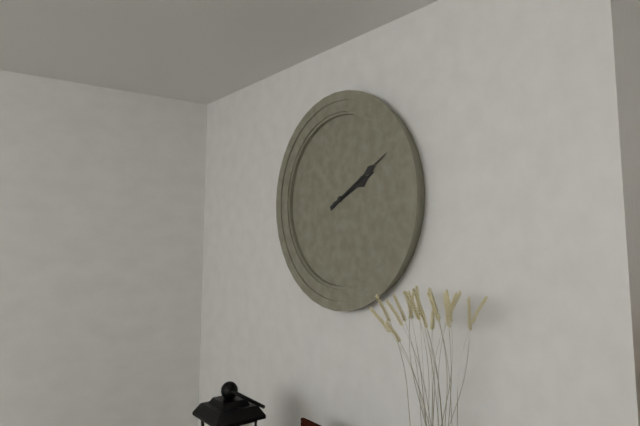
**2:10**
